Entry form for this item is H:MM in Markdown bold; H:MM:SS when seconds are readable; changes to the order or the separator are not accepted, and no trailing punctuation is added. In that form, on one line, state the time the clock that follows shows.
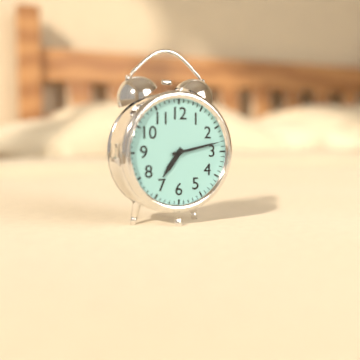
**7:13**
